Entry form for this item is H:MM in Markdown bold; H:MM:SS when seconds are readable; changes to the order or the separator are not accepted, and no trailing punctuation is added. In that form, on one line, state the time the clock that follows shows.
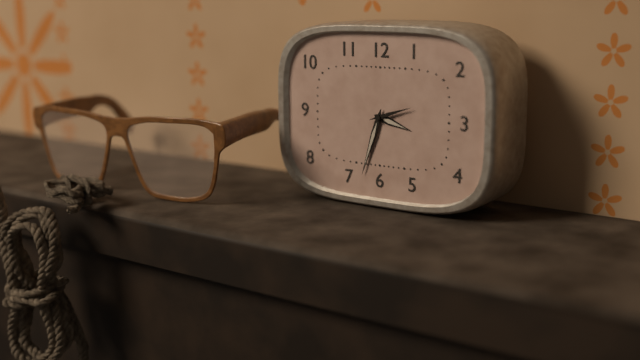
**3:33**
